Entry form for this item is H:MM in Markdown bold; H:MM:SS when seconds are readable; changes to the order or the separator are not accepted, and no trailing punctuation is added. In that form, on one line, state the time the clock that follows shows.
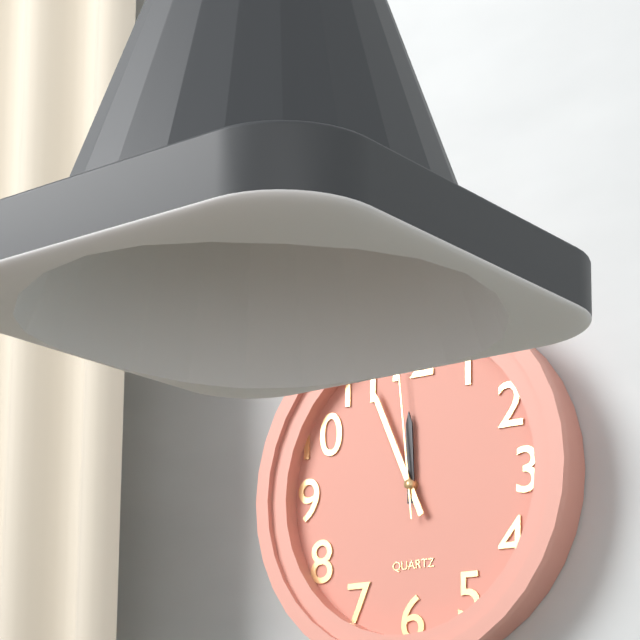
**11:56:59**
